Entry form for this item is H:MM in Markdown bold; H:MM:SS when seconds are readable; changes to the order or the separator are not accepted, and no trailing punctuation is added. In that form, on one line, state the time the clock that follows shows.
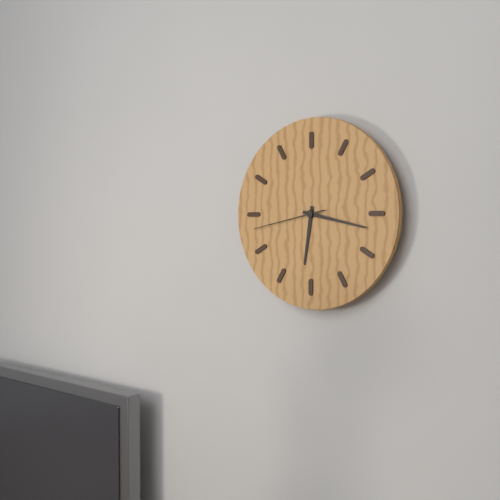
**6:17:43**
